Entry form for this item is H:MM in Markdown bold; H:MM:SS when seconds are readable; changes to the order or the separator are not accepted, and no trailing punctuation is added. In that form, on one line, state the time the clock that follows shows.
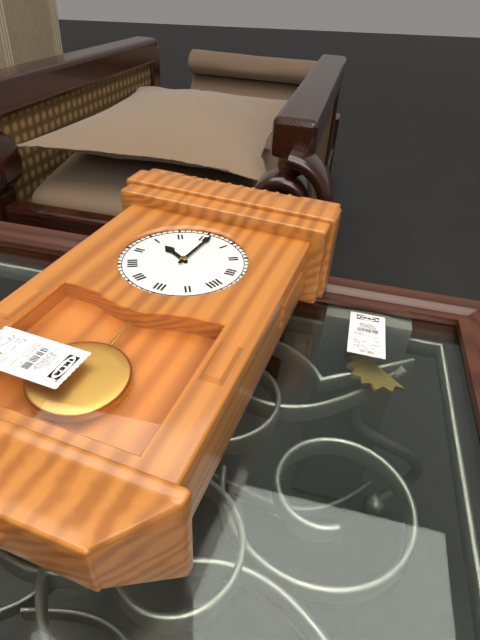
**10:01**
